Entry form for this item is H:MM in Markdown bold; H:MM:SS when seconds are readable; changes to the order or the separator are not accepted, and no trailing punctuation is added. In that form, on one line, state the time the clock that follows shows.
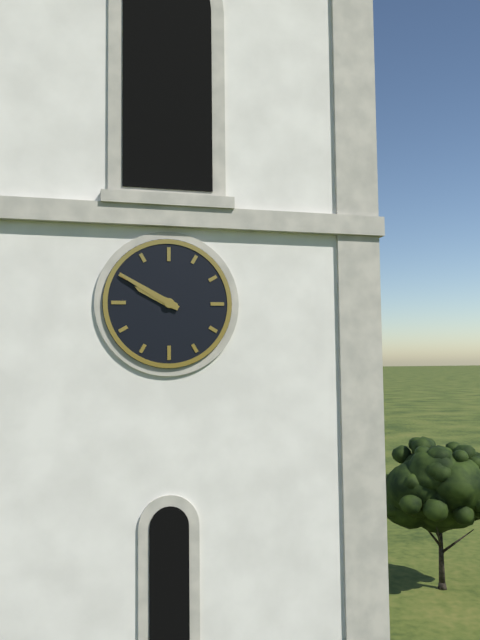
**9:50**
